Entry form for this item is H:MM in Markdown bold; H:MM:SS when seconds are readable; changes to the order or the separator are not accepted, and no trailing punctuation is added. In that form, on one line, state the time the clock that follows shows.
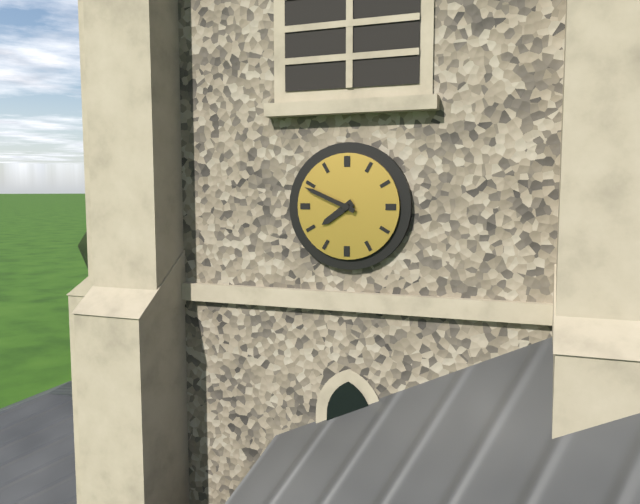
**7:49**
